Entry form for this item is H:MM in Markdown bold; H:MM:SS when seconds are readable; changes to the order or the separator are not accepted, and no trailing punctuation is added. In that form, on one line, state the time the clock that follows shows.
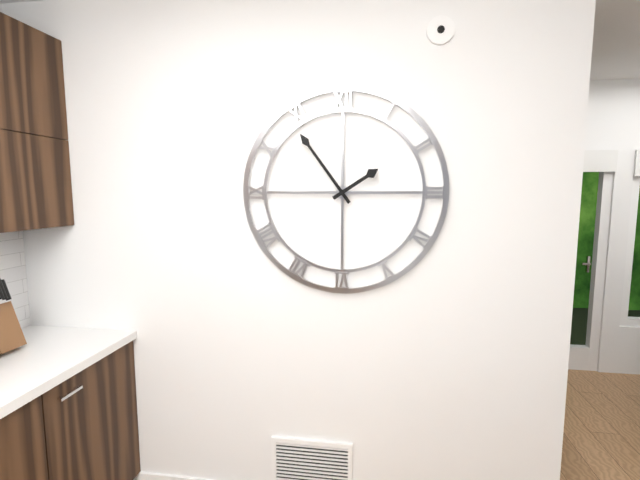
**1:54**
